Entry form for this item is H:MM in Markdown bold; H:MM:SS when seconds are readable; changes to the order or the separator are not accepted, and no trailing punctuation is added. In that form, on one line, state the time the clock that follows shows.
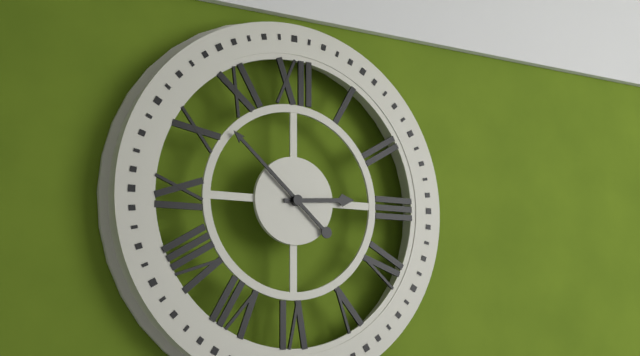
**2:52**
